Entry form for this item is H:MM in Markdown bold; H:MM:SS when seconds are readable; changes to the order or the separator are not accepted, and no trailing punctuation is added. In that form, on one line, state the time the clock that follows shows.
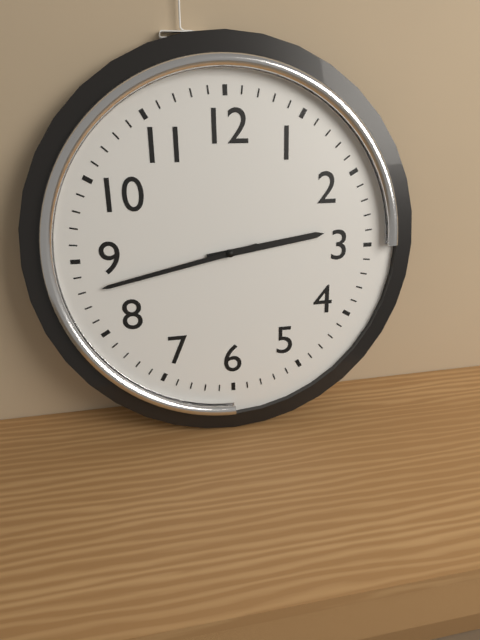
**2:43**
